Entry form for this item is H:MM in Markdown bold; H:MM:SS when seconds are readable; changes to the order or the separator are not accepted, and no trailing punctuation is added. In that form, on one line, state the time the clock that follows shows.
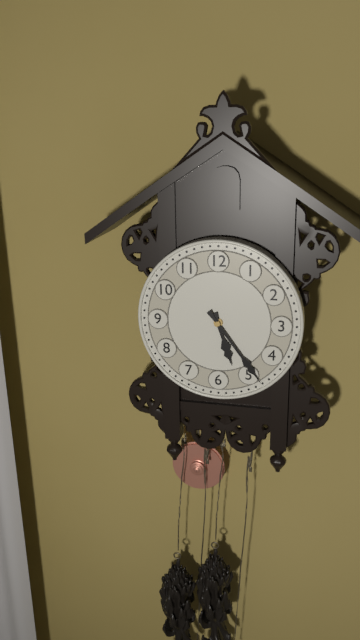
**5:24**
